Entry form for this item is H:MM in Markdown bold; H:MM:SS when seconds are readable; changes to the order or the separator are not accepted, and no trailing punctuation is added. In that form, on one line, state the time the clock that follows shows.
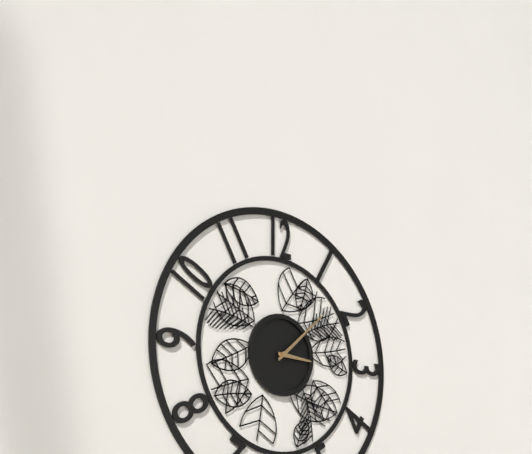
**3:08**
